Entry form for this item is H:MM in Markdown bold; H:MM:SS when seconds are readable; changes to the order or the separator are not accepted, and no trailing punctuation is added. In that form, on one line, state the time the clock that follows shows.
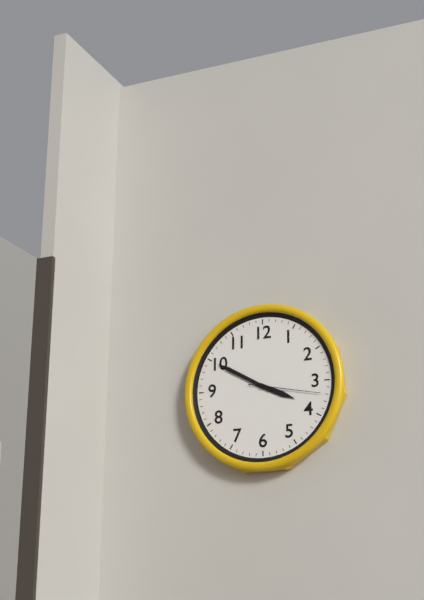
**3:50:17**
